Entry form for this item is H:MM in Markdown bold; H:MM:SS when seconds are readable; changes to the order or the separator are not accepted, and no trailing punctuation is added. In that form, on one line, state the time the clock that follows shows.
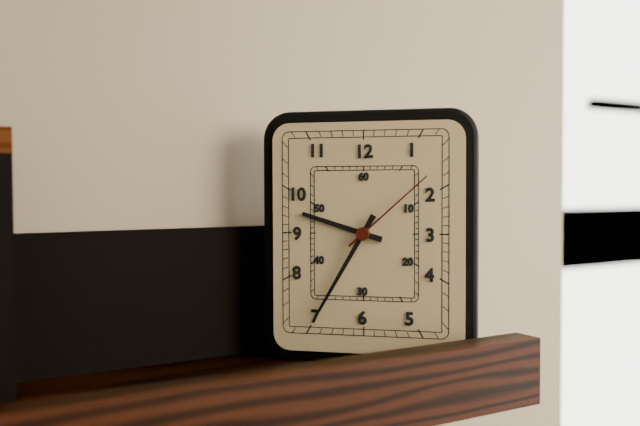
**9:35:08**
